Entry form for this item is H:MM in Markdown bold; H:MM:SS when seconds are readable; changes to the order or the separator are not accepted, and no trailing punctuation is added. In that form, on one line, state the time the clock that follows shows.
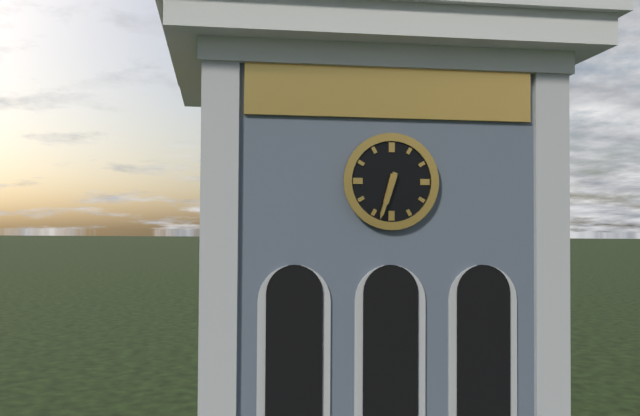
**6:33**
